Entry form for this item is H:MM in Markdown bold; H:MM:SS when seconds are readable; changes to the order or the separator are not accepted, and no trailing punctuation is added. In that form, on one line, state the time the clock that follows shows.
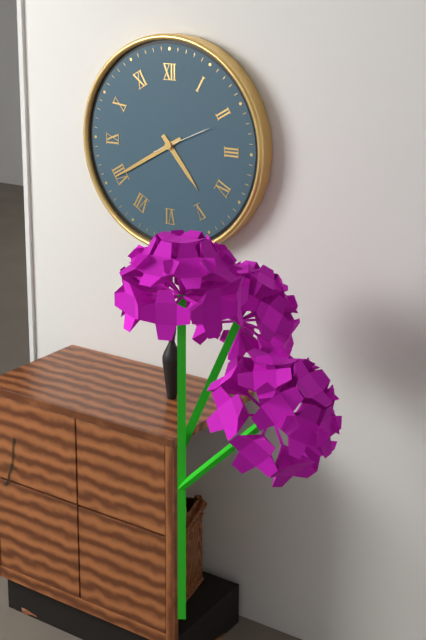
**4:40:11**
